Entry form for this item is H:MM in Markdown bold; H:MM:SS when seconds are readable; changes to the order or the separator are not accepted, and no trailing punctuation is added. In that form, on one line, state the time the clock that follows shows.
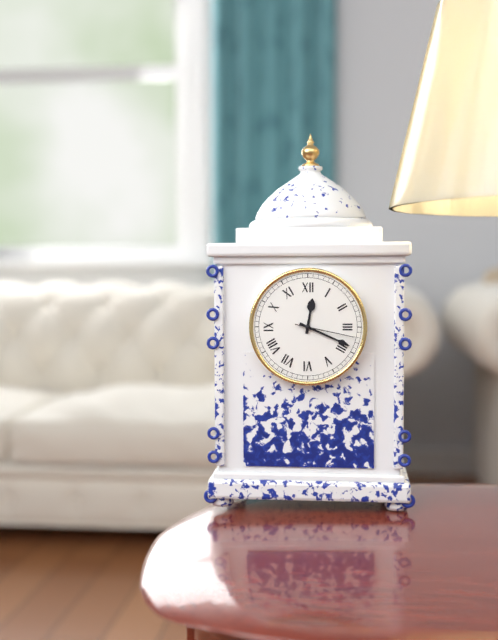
**12:19:17**
